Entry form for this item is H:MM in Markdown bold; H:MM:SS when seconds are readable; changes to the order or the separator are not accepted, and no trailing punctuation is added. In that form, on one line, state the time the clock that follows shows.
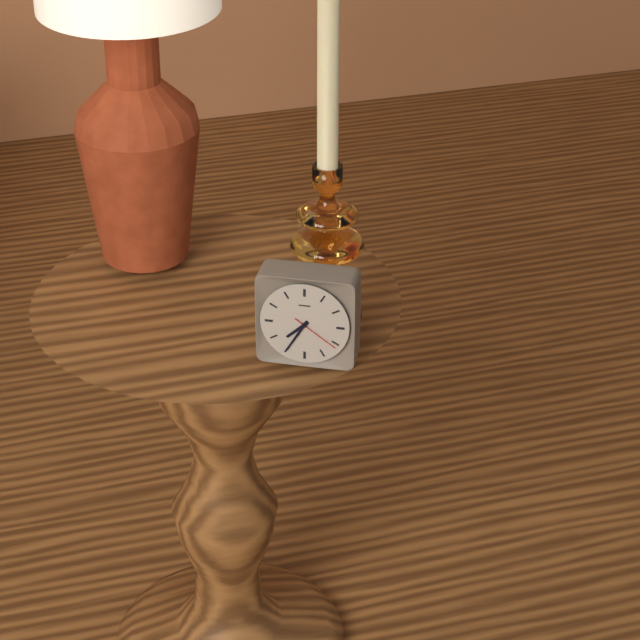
**7:35:21**
